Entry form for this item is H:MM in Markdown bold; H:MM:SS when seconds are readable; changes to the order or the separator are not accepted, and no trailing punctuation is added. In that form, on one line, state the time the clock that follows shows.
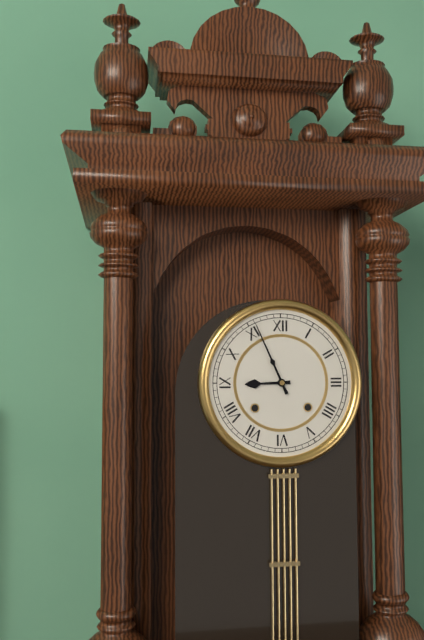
**8:56**
